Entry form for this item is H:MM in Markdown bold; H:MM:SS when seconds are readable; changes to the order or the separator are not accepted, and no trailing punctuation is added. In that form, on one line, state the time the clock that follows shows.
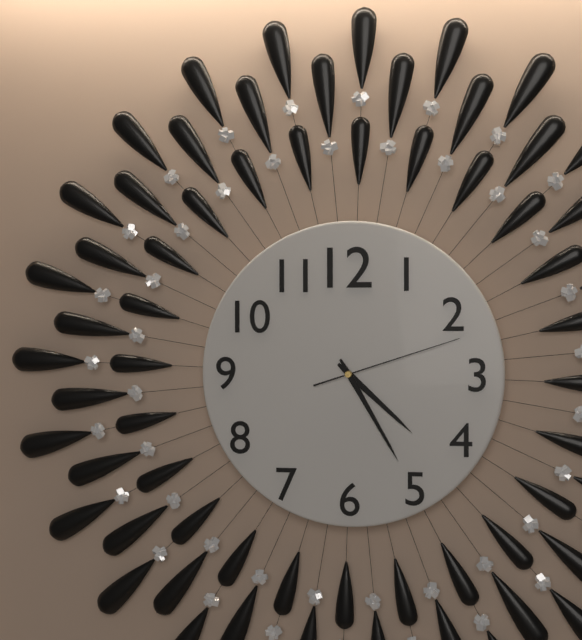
**4:25:12**
